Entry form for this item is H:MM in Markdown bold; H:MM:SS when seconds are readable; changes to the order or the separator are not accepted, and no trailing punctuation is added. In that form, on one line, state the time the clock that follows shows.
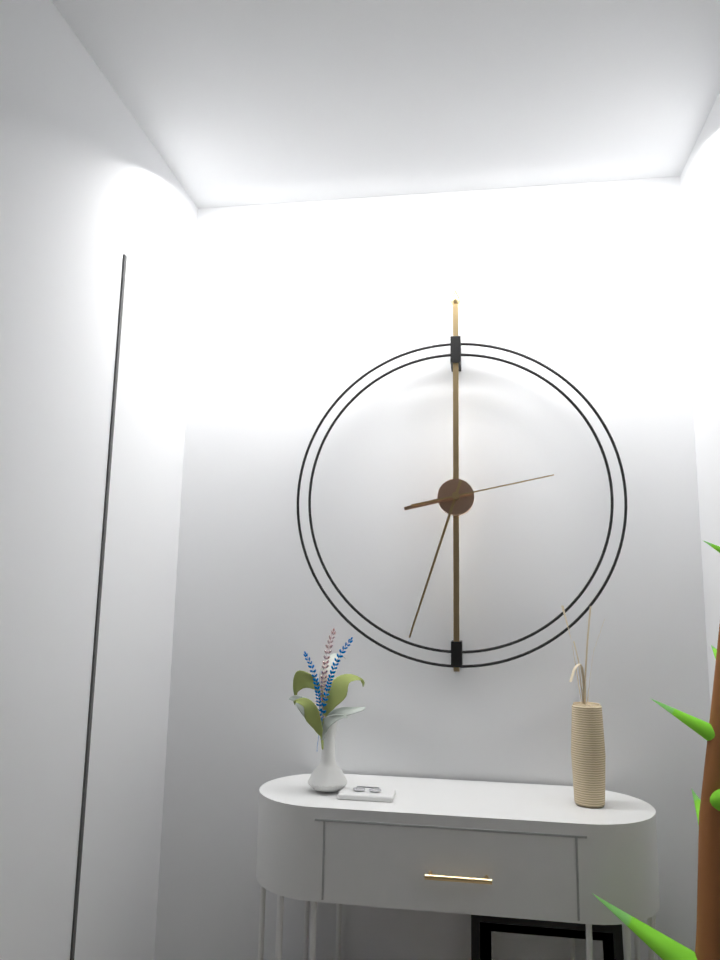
**8:33:13**
